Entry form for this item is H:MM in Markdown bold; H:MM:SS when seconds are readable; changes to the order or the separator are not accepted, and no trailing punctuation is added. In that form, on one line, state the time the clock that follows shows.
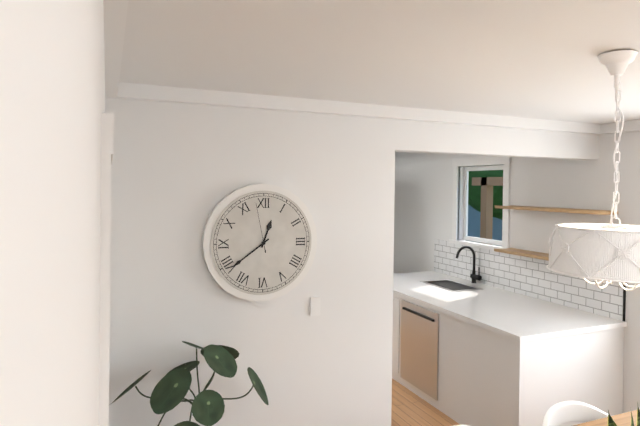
**12:39:58**
